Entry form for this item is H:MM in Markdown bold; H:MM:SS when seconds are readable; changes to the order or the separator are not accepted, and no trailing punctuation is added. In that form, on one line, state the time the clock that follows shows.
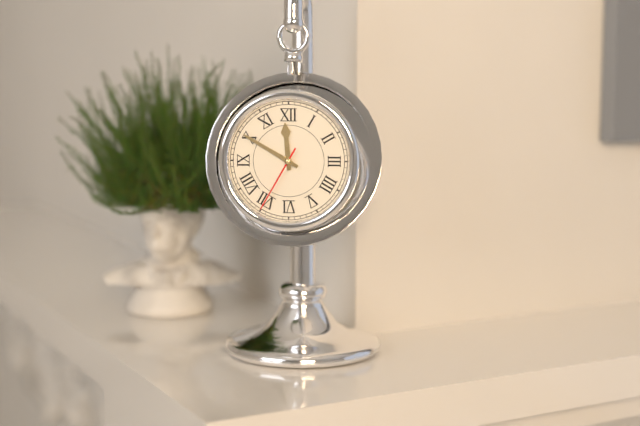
**11:50:35**
